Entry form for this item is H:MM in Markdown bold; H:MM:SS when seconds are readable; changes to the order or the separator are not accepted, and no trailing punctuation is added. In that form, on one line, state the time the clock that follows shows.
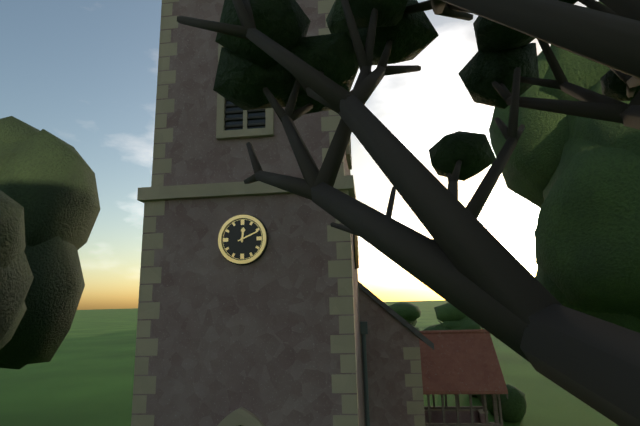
**12:11**
